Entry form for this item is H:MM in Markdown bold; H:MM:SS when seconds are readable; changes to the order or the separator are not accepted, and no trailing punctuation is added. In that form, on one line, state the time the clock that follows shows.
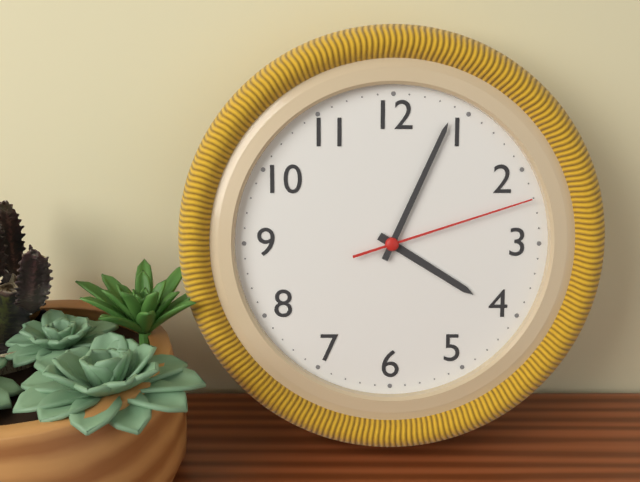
**4:04:12**
